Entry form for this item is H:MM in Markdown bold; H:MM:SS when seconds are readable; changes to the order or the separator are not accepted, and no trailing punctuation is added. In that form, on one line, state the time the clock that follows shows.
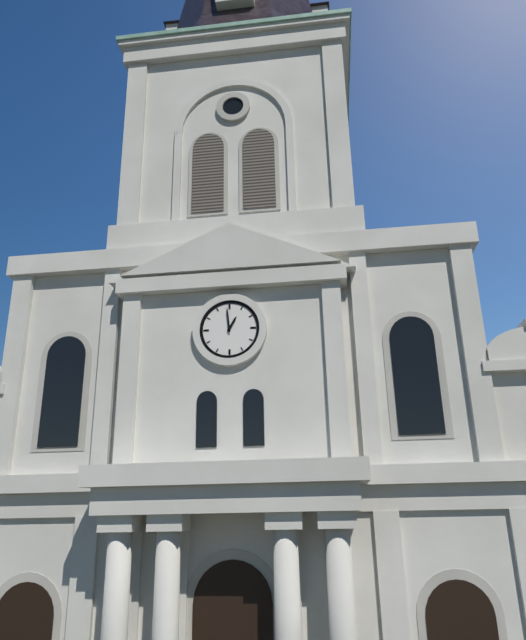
**12:59**
